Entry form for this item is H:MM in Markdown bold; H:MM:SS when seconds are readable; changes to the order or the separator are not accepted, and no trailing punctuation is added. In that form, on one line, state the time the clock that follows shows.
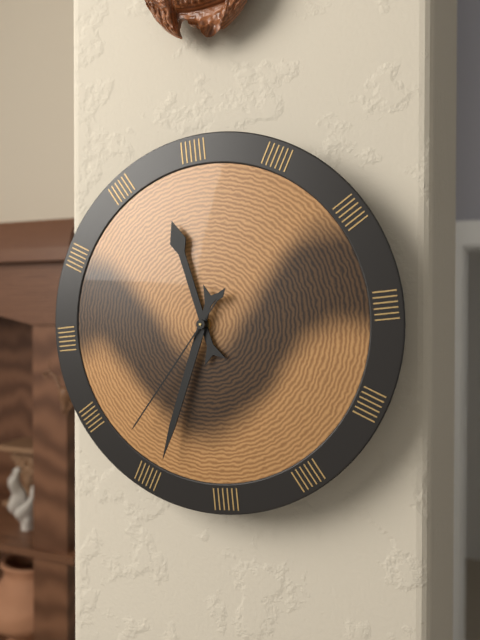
**11:34:37**
